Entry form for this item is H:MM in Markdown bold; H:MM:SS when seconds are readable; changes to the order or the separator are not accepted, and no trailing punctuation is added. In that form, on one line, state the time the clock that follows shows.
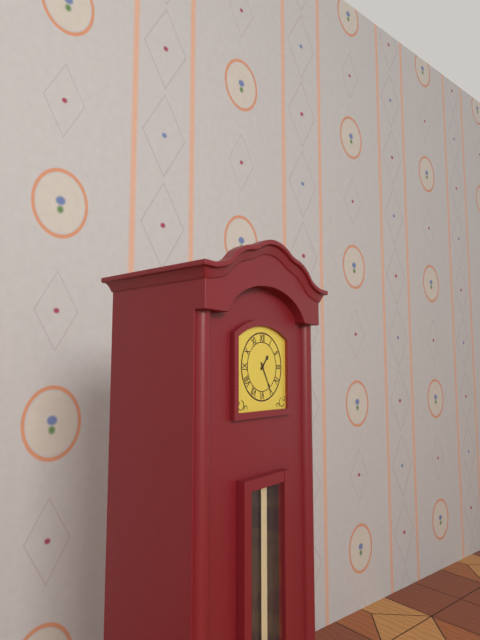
**1:25**
